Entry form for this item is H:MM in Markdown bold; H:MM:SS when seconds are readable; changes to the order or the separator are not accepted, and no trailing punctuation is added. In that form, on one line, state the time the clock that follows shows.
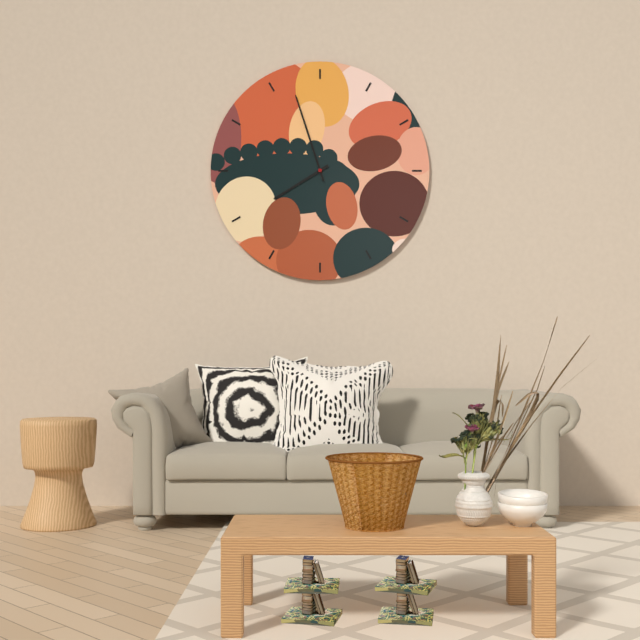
**7:57**
